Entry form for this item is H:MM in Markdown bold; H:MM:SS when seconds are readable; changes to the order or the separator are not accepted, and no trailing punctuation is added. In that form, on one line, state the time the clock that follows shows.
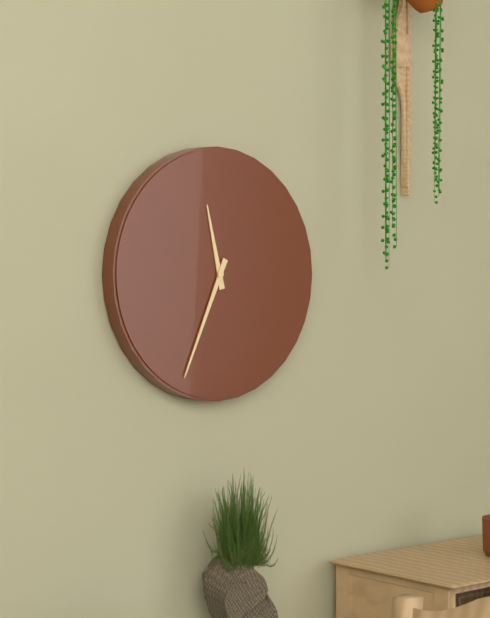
**11:34**
